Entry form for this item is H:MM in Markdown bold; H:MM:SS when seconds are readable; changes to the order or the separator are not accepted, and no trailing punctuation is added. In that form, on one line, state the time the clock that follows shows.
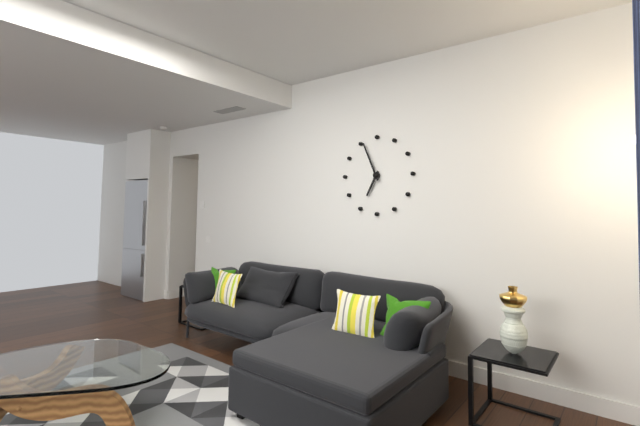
**6:56**
